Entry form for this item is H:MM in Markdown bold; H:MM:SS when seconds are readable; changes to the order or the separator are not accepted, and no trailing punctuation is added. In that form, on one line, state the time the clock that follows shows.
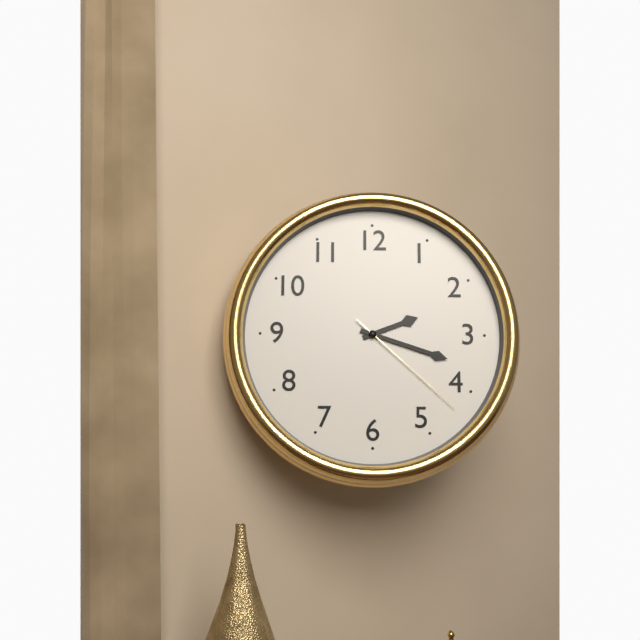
**2:18:22**
